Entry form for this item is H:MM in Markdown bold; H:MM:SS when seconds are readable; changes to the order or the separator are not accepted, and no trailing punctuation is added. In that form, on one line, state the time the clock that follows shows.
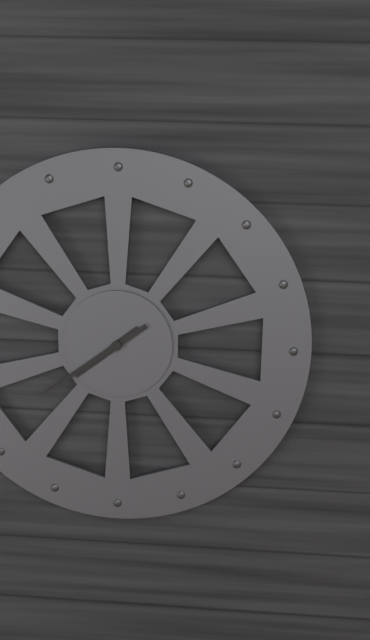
**7:39**
